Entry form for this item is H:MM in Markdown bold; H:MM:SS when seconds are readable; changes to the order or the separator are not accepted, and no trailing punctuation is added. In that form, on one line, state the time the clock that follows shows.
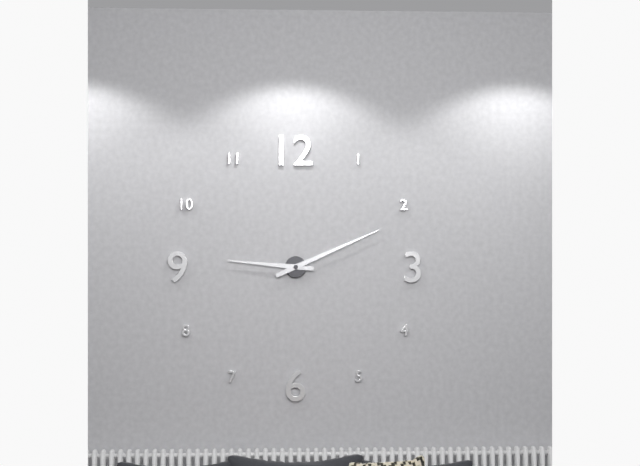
**9:11**
